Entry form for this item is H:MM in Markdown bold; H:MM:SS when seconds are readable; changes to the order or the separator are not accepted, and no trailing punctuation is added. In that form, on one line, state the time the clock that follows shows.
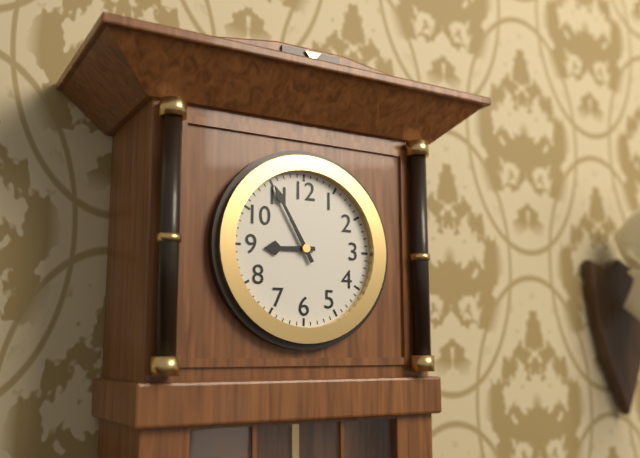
**8:55**
